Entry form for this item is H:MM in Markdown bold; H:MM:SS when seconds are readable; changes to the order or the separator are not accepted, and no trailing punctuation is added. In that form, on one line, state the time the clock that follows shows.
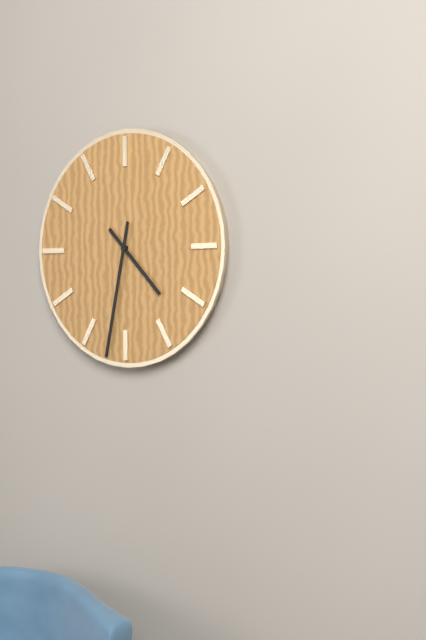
**4:32**
